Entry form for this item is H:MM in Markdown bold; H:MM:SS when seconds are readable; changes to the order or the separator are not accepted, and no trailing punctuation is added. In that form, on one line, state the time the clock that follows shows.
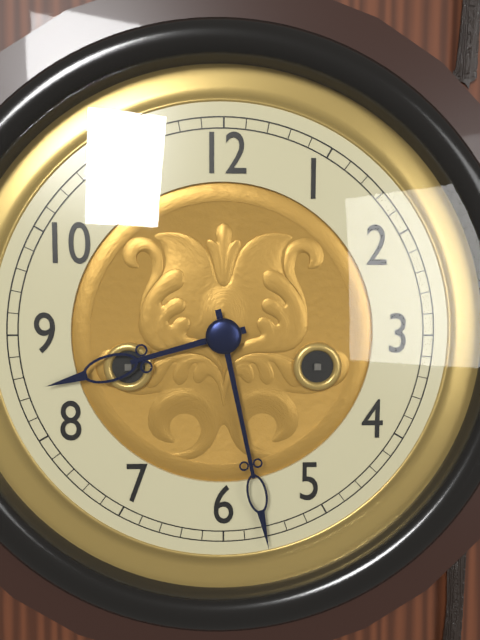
**8:28**
